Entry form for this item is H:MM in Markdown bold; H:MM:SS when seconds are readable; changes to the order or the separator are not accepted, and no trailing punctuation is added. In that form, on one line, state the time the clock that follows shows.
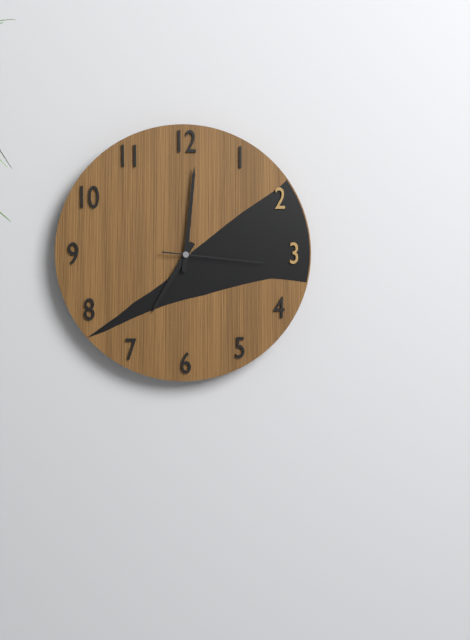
**7:01:16**
